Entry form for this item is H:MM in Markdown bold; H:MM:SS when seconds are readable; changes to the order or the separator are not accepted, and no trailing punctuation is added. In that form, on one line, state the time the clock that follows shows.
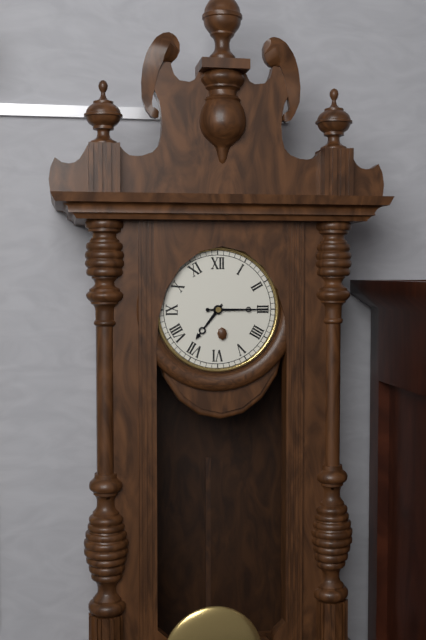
**7:15**
